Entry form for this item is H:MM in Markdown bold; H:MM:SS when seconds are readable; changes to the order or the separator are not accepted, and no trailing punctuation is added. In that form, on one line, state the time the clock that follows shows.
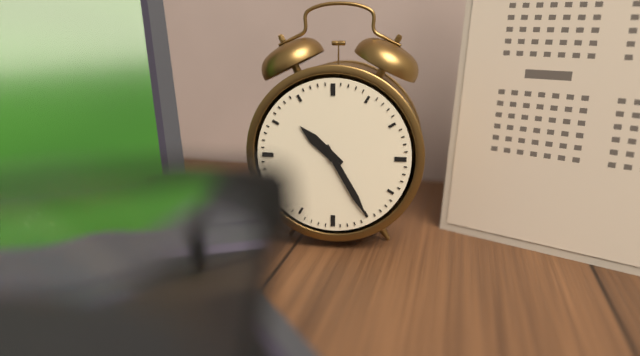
**10:25**
